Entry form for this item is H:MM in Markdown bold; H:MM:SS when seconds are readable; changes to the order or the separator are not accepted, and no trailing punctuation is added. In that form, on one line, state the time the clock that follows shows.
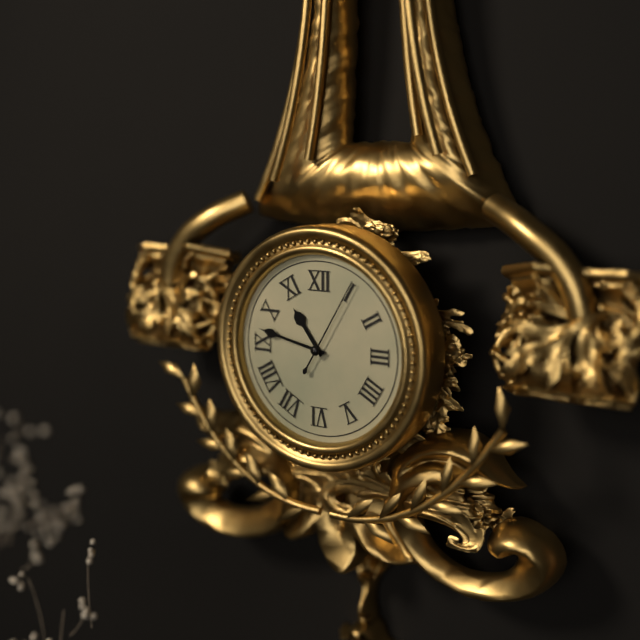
**10:47:05**
